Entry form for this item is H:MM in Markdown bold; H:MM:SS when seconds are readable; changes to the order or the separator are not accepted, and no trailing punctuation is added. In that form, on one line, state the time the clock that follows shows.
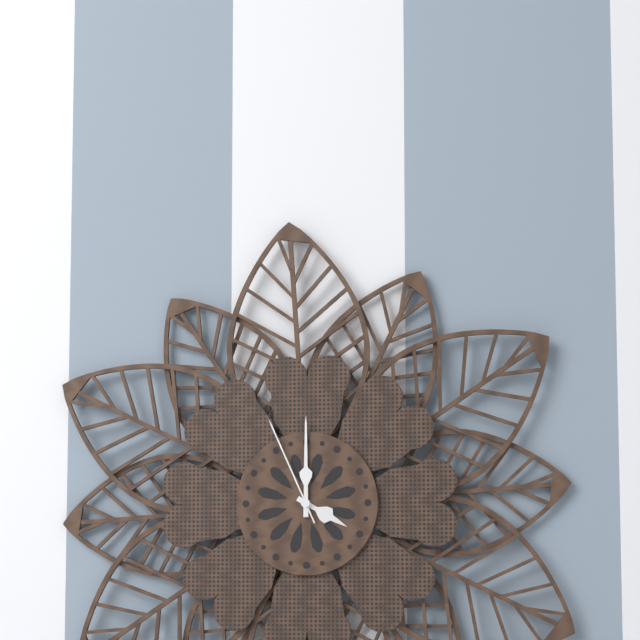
**4:00:56**
